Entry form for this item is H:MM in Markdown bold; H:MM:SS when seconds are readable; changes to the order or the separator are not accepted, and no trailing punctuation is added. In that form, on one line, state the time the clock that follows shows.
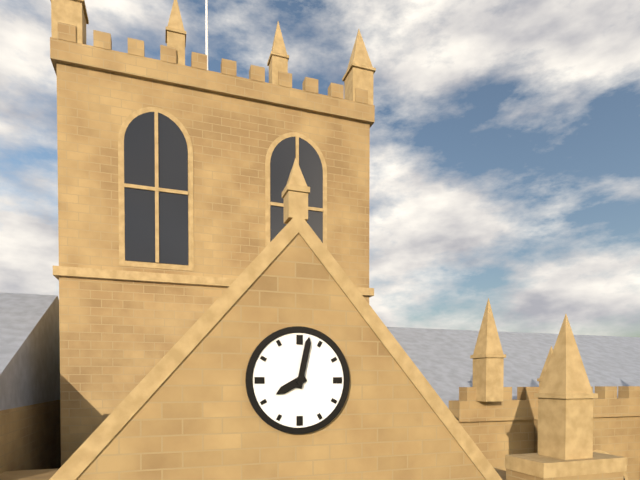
**8:02**
